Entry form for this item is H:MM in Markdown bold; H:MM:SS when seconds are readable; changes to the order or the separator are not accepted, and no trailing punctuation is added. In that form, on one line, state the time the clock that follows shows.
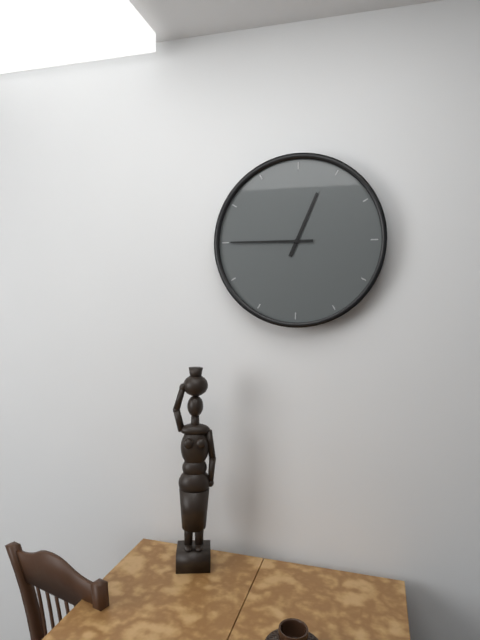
**12:45**
